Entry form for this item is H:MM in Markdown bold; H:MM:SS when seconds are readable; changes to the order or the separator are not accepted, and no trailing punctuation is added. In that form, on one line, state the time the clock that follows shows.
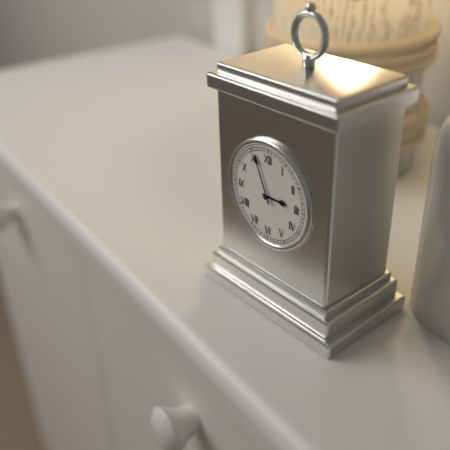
**2:56**
